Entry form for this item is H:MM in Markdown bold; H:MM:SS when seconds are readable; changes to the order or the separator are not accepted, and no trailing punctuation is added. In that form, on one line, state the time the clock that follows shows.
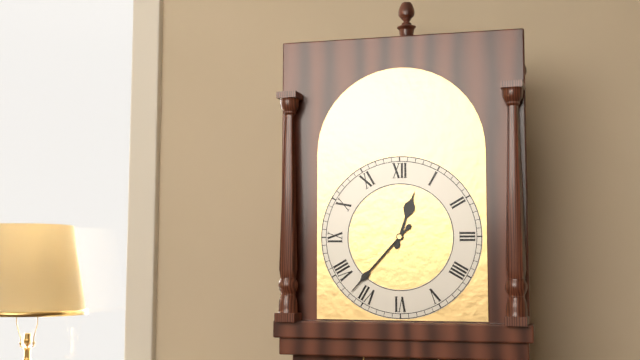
**12:37**
